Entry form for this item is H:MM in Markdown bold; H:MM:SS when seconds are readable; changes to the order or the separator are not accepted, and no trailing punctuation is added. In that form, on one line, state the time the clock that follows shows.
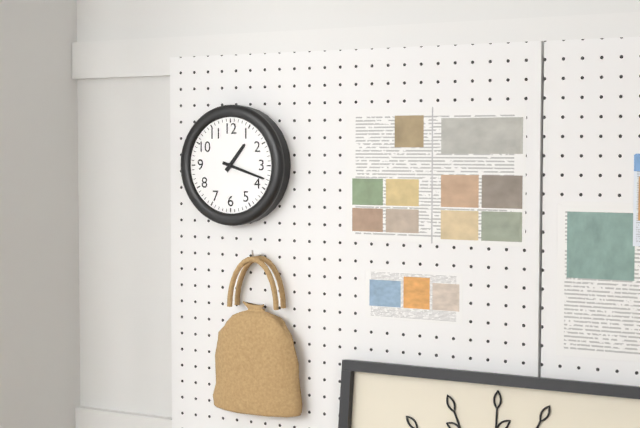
**1:18**
